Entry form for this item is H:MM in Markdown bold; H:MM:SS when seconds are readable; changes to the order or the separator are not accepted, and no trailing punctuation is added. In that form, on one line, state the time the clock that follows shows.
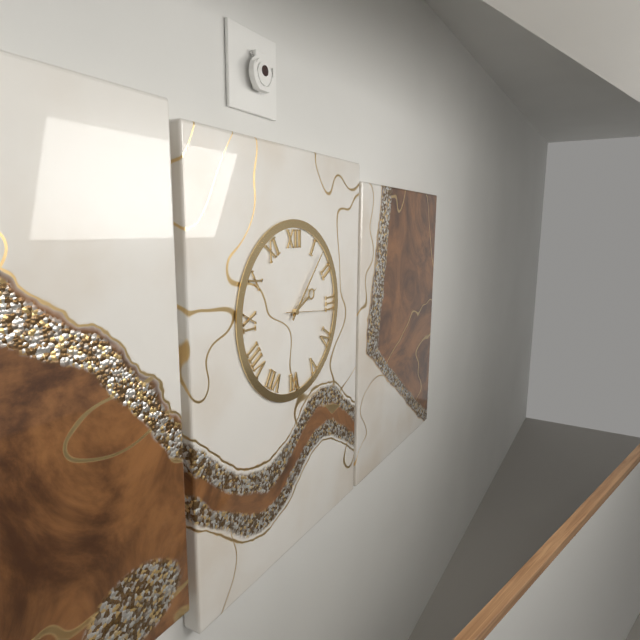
**2:07:16**
